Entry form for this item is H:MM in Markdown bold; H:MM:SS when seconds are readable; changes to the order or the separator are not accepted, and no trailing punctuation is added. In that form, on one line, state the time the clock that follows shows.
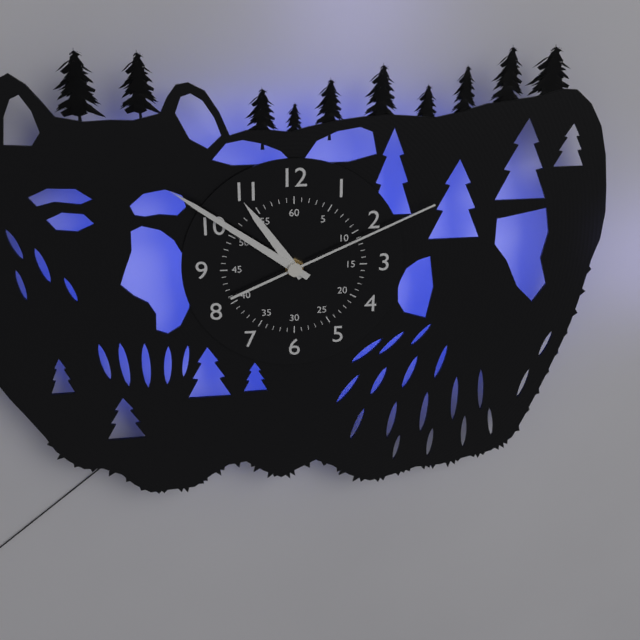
**10:51:11**
